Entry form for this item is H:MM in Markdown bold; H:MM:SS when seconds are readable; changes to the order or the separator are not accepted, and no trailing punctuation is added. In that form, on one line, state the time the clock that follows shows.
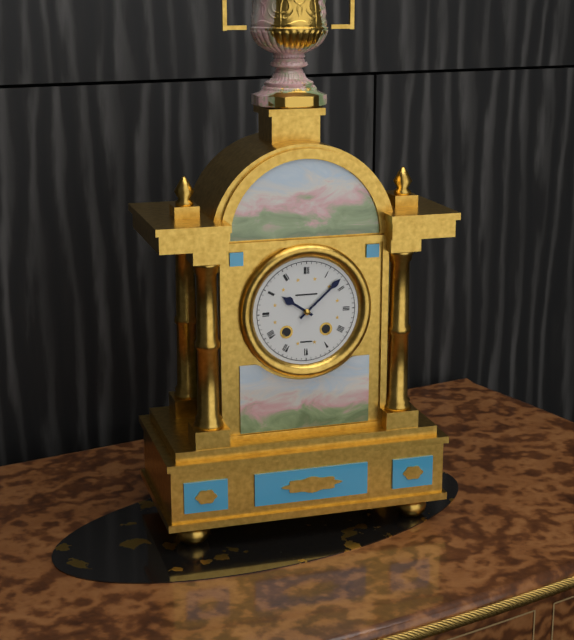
**10:08**
